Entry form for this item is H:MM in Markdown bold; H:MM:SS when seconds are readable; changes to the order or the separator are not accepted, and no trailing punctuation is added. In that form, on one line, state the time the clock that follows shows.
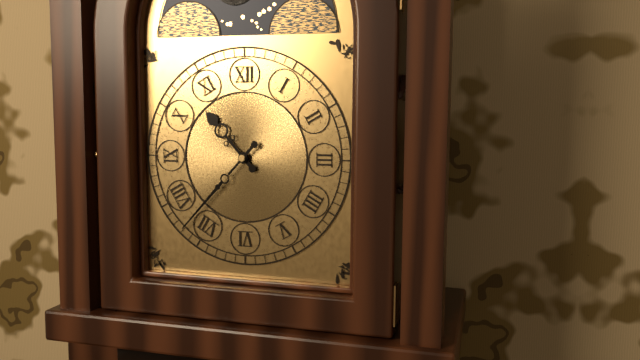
**10:37**
